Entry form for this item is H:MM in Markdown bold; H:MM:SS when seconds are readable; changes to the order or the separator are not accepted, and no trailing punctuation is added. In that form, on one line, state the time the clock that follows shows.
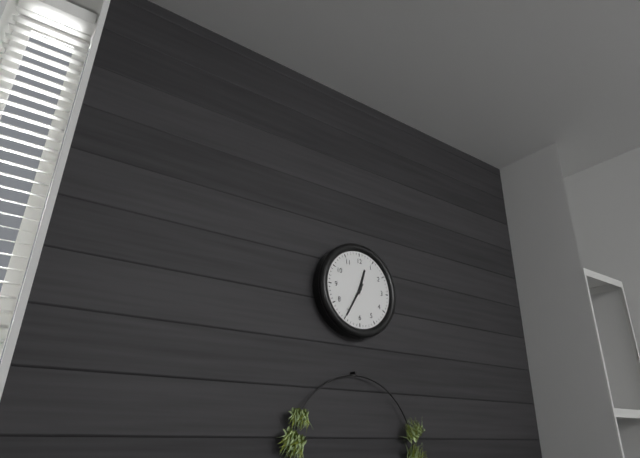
**12:35**
